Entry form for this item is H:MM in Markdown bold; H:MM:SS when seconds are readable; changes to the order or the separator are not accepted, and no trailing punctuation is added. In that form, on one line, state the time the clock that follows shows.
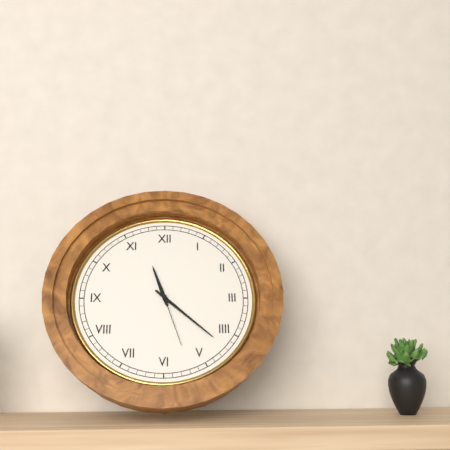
**11:22:27**
